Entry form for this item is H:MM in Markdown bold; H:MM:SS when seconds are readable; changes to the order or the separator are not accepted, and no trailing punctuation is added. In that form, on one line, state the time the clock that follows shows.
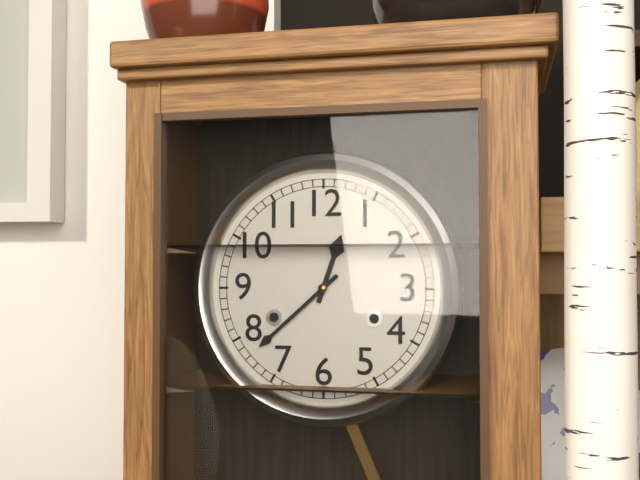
**12:38**
